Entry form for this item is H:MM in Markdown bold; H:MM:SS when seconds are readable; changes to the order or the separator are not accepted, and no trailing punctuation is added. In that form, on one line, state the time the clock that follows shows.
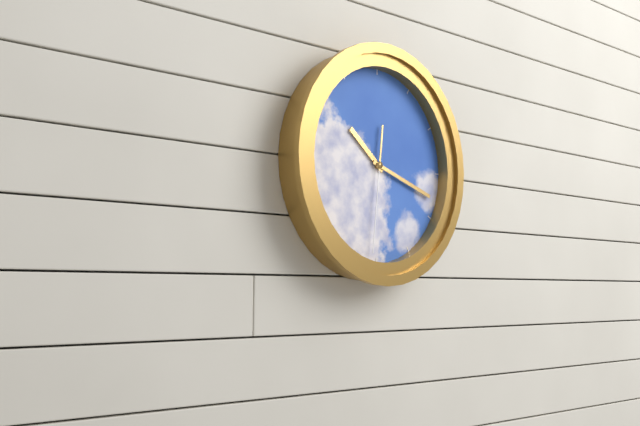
**10:18:31**
